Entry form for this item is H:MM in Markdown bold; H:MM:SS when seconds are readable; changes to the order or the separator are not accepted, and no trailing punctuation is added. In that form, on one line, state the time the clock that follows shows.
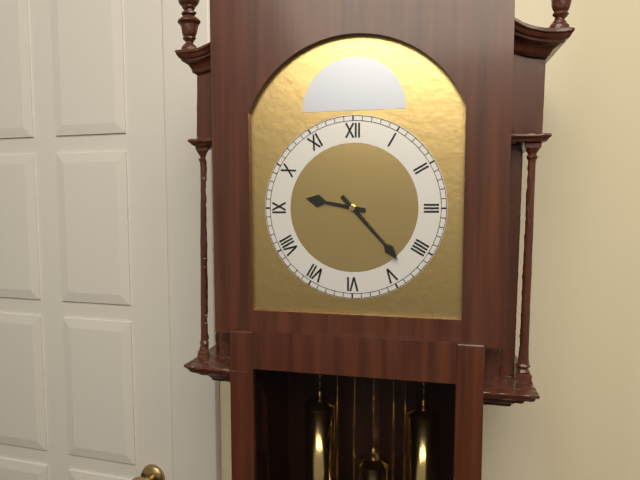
**9:23**
